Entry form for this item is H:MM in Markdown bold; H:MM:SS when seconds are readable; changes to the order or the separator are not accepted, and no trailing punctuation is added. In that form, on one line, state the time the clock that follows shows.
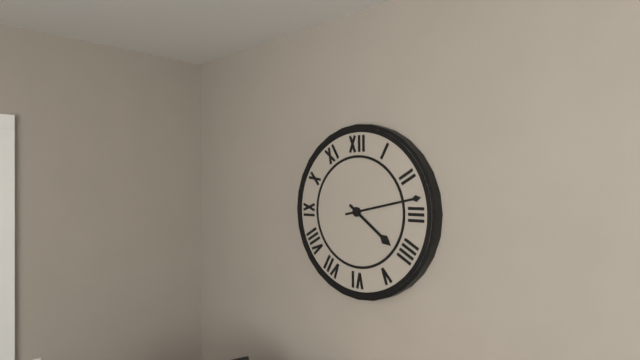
**4:13**
